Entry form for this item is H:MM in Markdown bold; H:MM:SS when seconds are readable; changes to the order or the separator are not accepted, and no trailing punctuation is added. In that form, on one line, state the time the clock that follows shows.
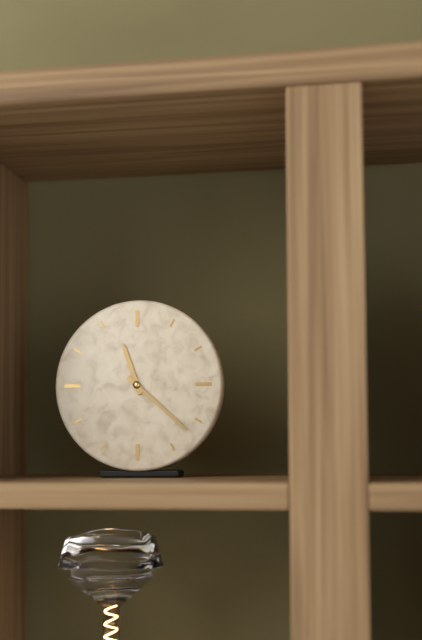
**11:22**
